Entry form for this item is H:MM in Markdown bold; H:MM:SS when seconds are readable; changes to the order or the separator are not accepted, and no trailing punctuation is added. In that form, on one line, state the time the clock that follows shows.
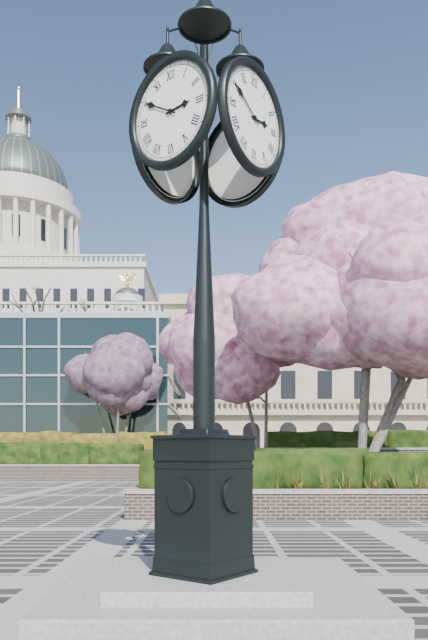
**2:50**
